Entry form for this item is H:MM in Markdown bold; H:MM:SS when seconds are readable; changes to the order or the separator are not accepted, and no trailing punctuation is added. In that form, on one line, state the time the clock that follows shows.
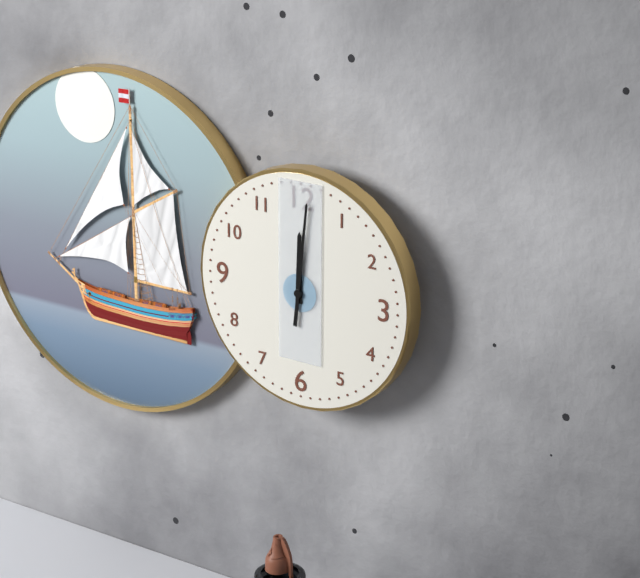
**12:01**
